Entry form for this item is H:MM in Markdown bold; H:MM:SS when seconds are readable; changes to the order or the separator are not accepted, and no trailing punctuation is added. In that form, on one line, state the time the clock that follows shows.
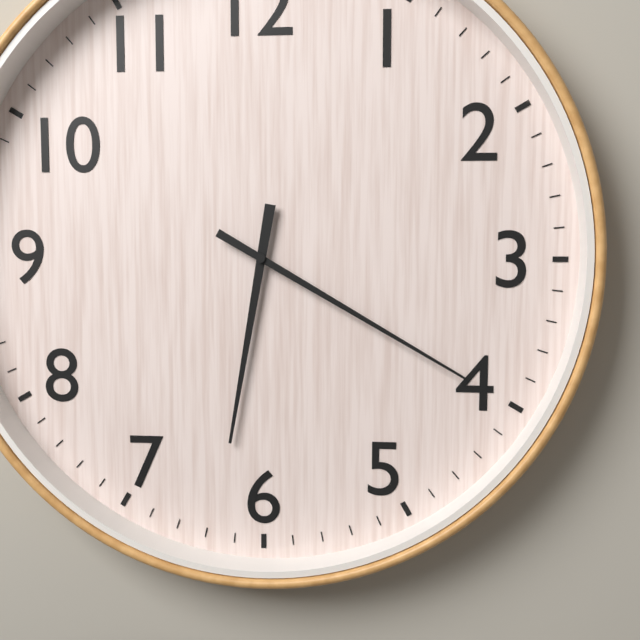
**6:20**
